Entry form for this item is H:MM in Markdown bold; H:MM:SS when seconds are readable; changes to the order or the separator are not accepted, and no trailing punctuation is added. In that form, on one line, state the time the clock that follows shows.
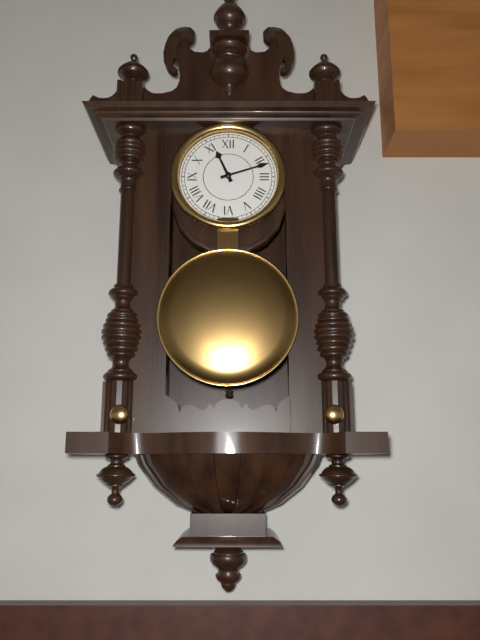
**11:12**
